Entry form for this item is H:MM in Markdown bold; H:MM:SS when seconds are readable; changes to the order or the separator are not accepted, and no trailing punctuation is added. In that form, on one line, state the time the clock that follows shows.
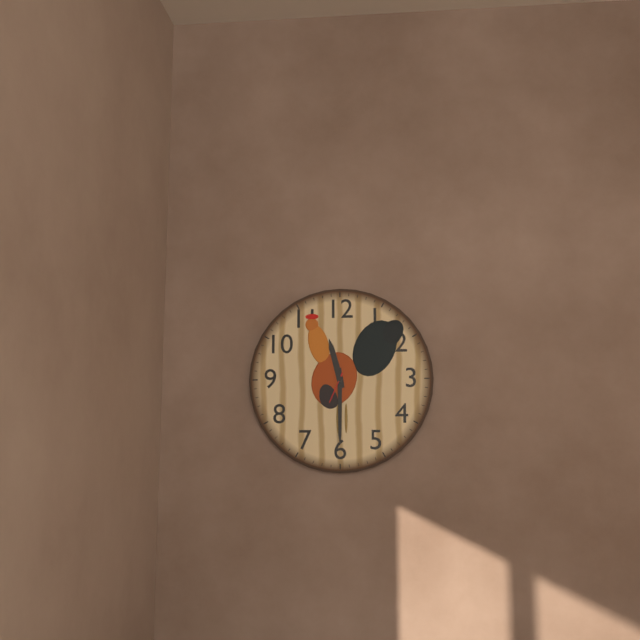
**11:30**
